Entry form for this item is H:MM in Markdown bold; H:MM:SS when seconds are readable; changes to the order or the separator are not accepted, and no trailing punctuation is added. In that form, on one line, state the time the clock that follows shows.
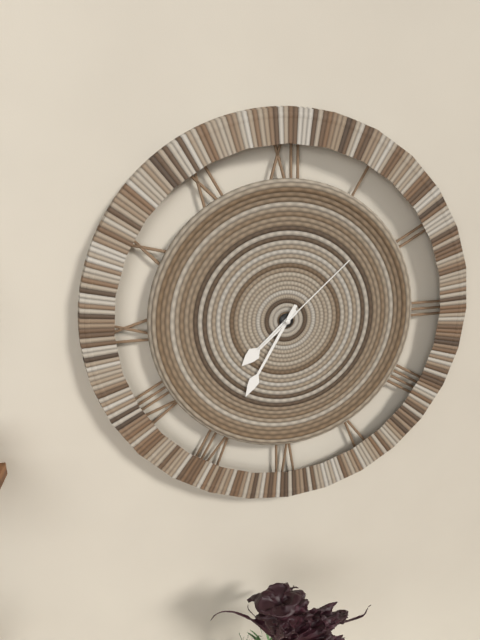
**7:35:08**
